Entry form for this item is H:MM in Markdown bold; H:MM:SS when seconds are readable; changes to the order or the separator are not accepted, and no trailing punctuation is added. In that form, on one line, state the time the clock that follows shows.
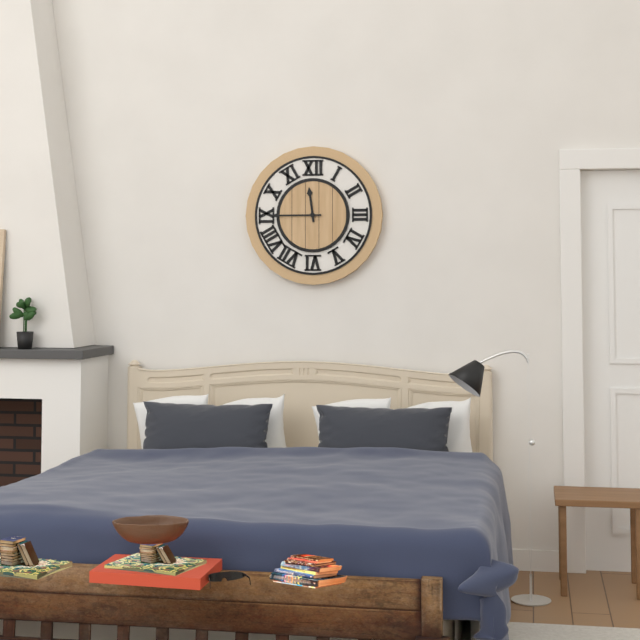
**11:45**
